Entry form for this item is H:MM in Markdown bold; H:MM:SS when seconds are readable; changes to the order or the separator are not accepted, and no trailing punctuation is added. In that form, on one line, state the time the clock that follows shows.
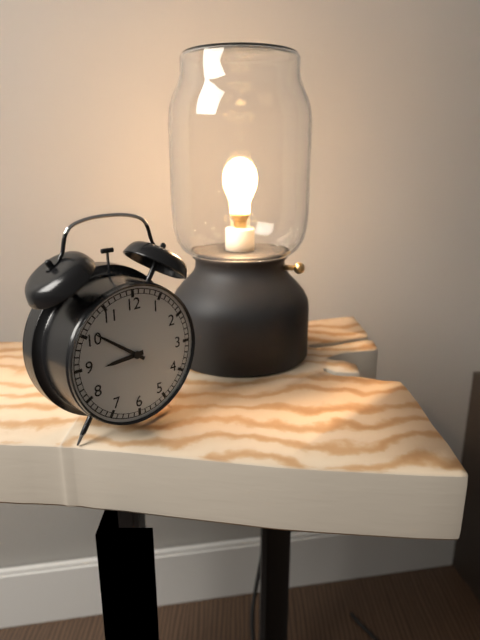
**8:51**
